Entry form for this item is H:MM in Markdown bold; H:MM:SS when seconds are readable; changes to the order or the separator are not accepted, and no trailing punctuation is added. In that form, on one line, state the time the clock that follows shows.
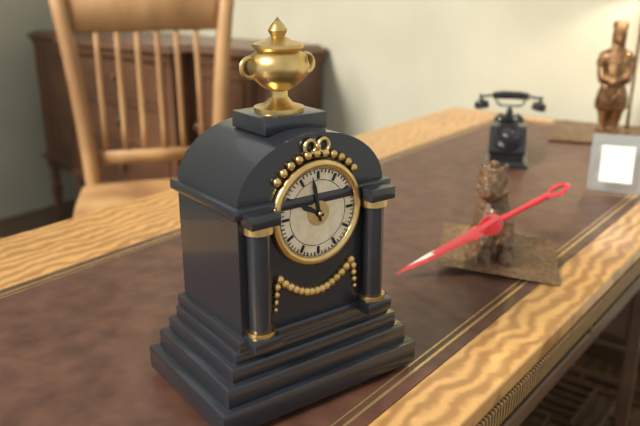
**9:58**
